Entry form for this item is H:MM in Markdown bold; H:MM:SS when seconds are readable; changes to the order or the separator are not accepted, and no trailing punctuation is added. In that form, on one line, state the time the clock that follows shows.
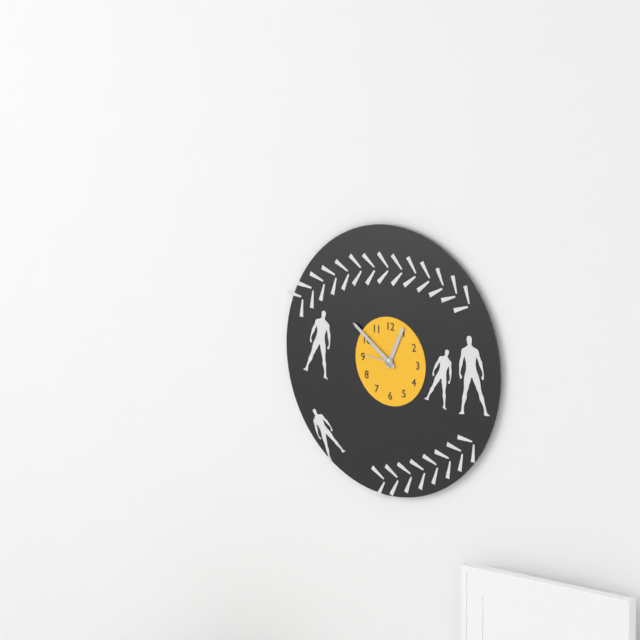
**12:51**
